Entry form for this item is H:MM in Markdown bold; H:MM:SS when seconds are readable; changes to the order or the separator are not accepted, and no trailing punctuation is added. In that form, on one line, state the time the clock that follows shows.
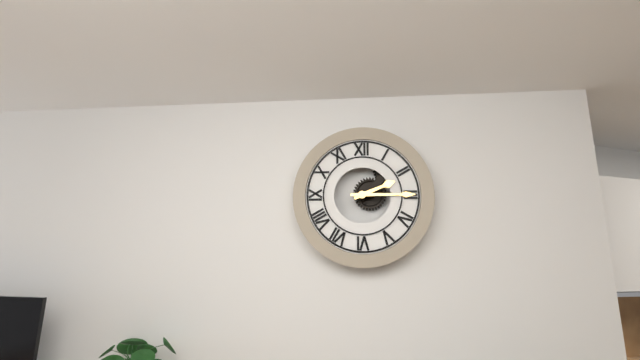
**2:15**
